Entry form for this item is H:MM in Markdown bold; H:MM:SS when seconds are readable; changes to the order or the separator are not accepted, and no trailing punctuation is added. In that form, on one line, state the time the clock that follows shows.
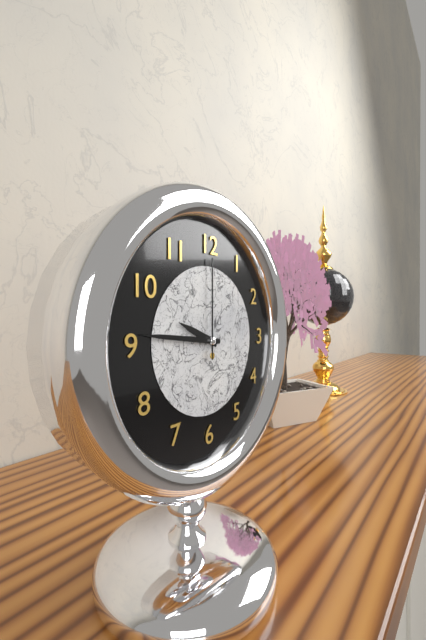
**9:46:00**
